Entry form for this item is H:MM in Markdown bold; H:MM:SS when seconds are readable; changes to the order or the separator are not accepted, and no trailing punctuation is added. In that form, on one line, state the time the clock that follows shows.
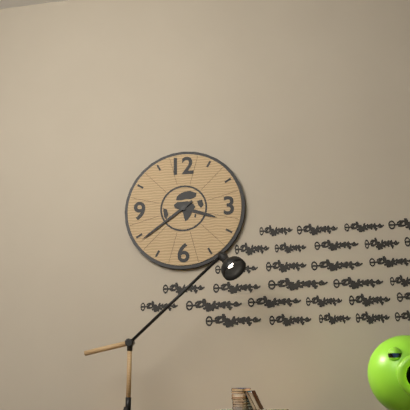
**3:39**
